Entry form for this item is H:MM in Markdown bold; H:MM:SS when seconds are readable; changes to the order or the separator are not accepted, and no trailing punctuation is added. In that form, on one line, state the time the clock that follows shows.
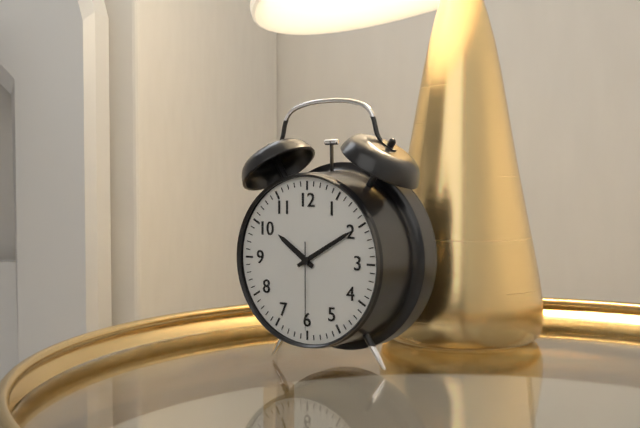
**10:10:30**
